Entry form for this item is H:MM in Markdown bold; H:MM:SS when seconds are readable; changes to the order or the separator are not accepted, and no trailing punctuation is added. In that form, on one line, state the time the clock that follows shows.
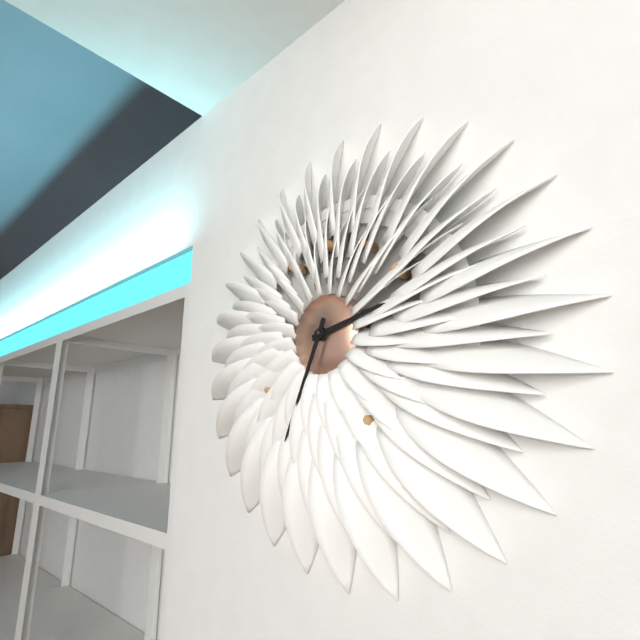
**2:34**
